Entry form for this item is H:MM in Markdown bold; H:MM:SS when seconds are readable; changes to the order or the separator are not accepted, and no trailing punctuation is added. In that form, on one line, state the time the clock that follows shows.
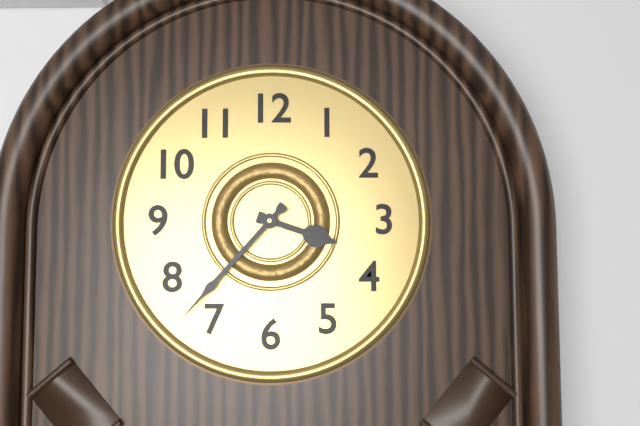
**3:37**
